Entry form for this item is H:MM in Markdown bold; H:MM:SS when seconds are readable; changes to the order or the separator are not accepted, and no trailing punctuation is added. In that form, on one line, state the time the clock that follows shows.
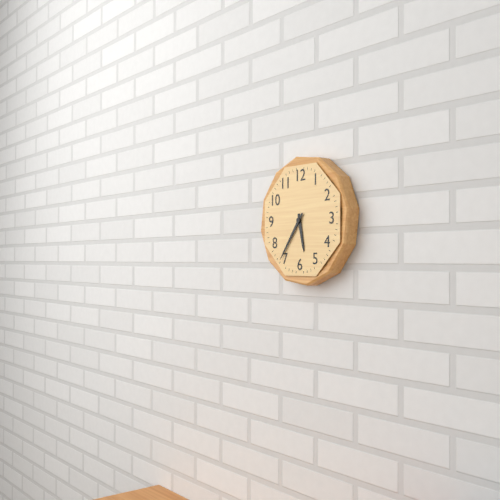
**5:36**
